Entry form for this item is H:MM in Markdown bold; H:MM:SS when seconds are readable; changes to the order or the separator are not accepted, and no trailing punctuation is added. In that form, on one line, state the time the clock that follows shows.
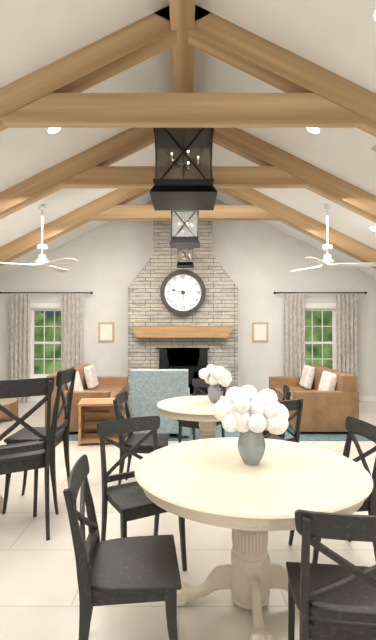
**9:29**
